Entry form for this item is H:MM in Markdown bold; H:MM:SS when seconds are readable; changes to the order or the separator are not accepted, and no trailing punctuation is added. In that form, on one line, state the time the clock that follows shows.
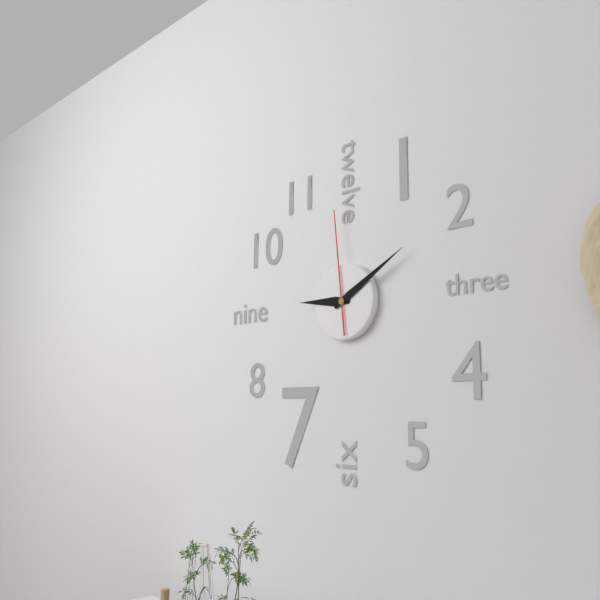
**9:10:59**
